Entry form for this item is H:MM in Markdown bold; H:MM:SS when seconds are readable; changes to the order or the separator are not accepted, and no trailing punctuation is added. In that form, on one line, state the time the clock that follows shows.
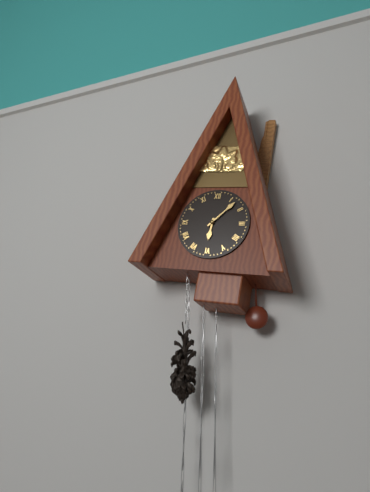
**6:07**
